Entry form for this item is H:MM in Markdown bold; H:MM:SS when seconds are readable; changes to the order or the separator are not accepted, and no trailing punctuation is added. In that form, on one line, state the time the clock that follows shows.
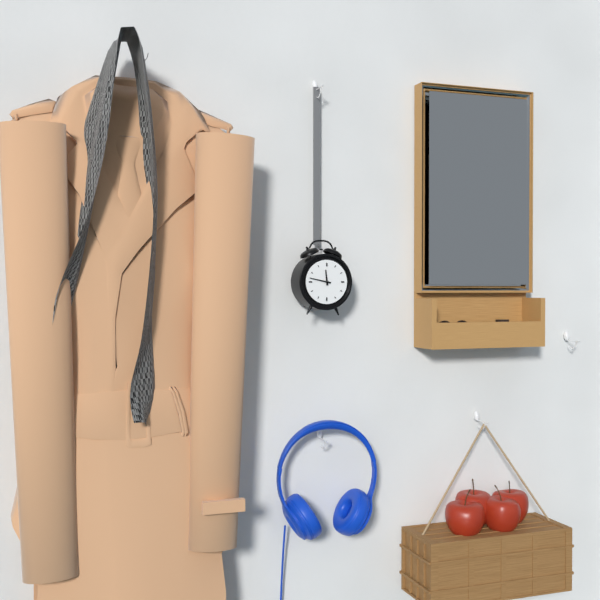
**11:47**
